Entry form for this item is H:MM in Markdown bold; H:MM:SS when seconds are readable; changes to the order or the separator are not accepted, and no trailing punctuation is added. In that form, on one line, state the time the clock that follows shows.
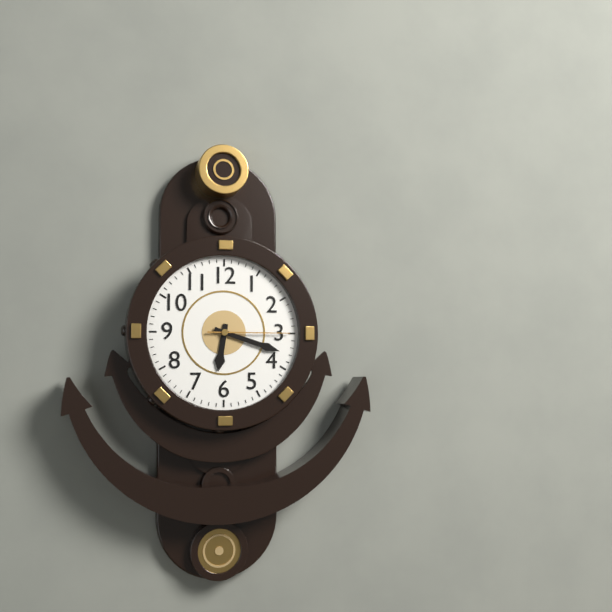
**6:18:15**
